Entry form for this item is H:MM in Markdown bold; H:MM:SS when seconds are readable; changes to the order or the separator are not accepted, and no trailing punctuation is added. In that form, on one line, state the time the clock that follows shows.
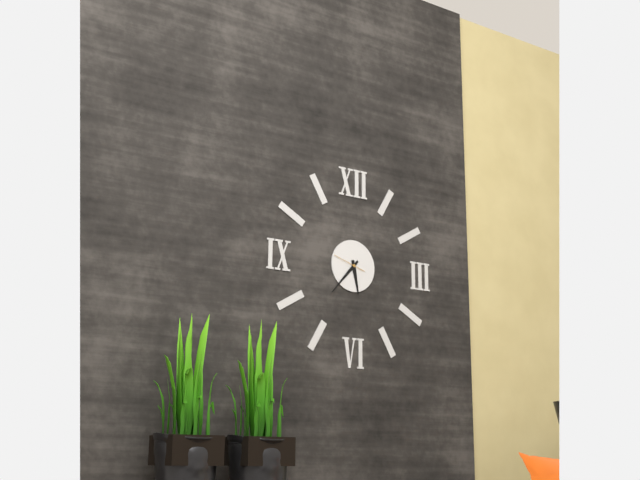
**5:37**
